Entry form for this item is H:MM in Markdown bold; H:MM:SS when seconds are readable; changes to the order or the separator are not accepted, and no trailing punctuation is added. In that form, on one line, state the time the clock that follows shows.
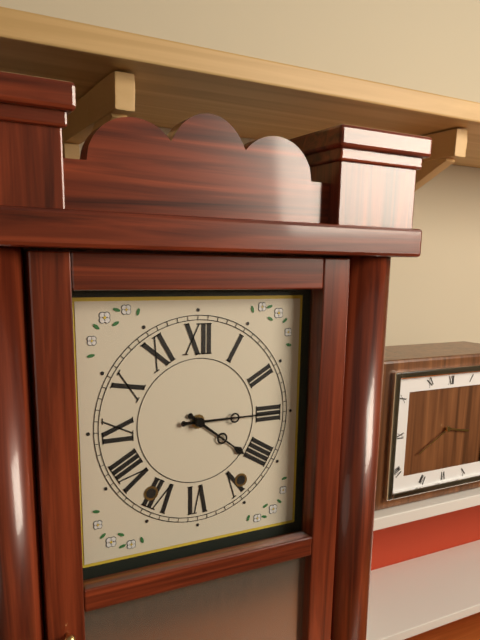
**4:15**
